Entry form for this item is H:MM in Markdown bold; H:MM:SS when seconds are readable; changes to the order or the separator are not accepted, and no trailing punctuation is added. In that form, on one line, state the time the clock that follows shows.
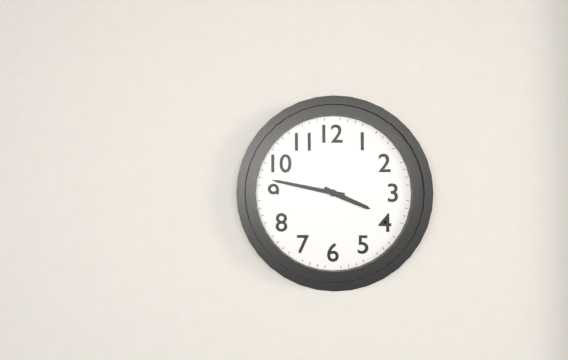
**3:47**
